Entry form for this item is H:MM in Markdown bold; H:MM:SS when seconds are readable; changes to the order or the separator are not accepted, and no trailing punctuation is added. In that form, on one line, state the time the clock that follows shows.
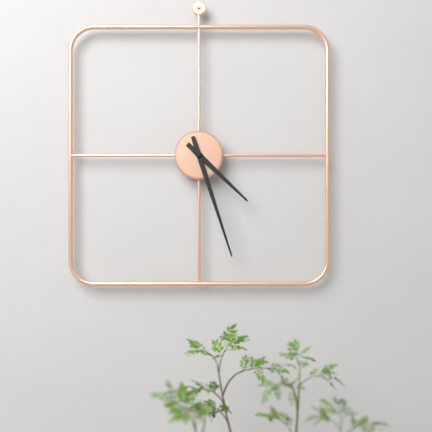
**4:27**
